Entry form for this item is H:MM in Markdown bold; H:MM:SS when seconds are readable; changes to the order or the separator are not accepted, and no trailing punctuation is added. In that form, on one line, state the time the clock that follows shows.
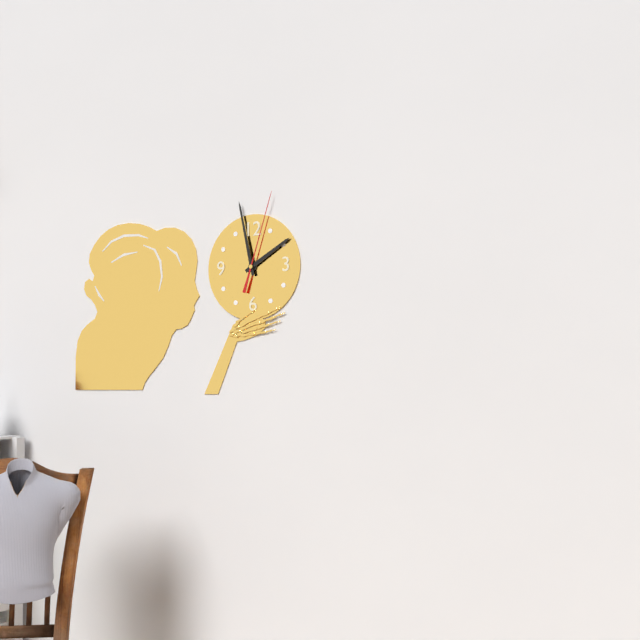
**1:58:03**
